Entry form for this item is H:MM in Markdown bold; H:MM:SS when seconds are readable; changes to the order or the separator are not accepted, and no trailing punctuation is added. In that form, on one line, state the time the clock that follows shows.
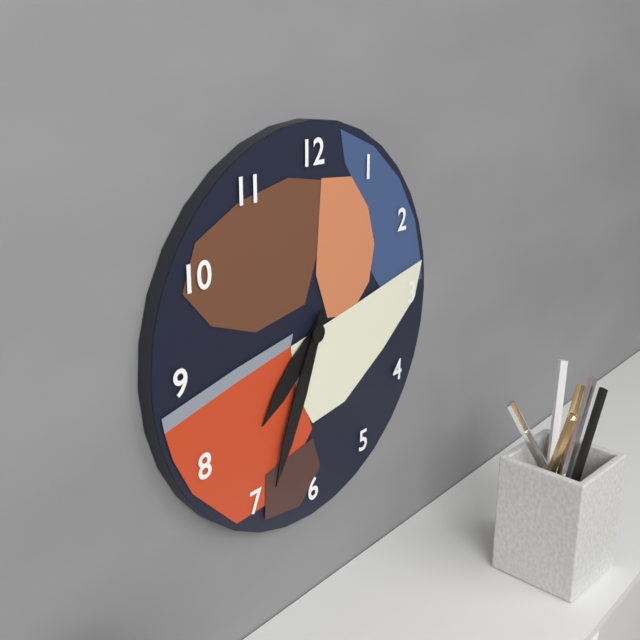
**7:34**
